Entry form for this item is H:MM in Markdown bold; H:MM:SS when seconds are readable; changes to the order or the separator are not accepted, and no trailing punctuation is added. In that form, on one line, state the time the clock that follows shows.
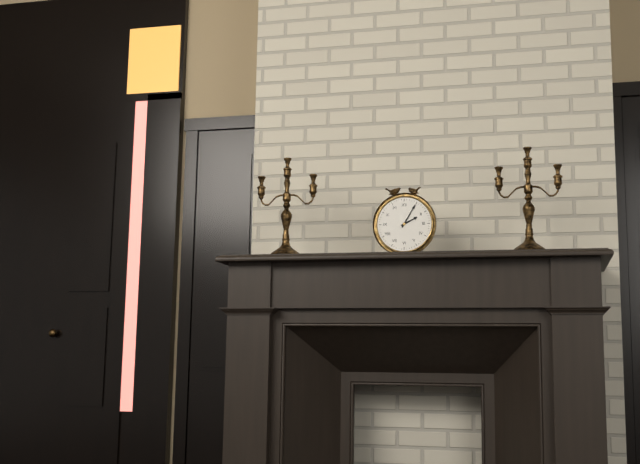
**2:05**
